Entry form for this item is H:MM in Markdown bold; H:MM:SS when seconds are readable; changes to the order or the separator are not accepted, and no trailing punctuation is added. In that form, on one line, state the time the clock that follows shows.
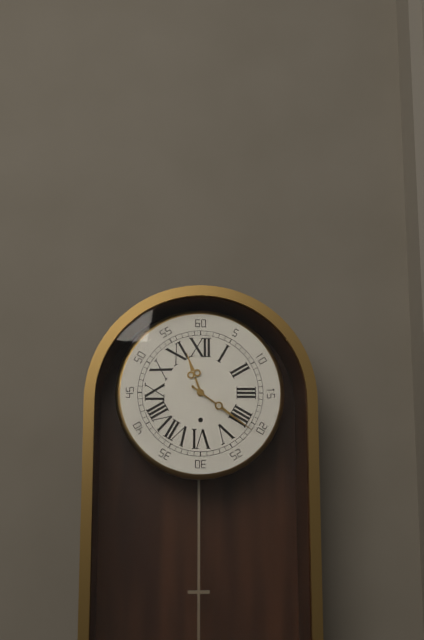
**11:21**
